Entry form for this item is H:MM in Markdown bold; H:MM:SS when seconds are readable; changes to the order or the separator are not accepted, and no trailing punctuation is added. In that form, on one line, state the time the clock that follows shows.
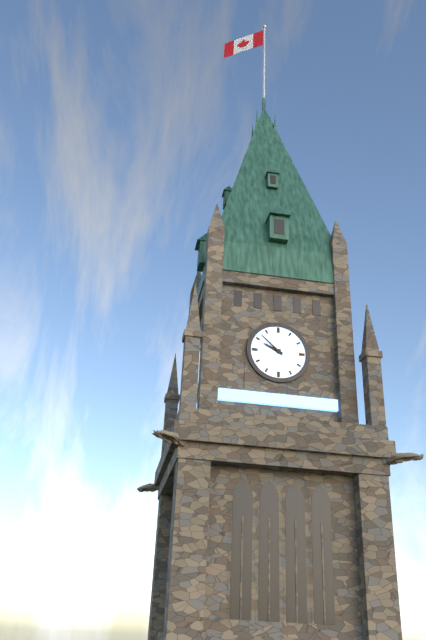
**9:52**
